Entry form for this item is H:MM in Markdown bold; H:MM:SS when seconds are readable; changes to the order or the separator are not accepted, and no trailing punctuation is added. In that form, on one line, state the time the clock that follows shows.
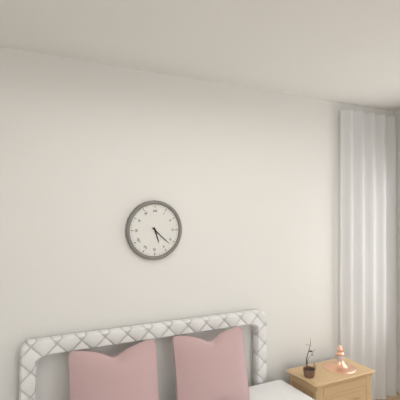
**5:22**
